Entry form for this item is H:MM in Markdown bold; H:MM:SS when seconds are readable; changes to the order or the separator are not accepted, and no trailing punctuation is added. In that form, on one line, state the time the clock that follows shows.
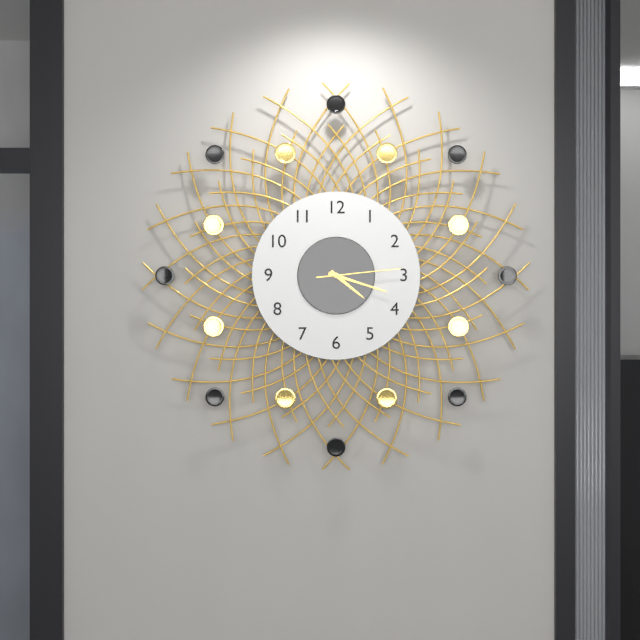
**4:18:14**
